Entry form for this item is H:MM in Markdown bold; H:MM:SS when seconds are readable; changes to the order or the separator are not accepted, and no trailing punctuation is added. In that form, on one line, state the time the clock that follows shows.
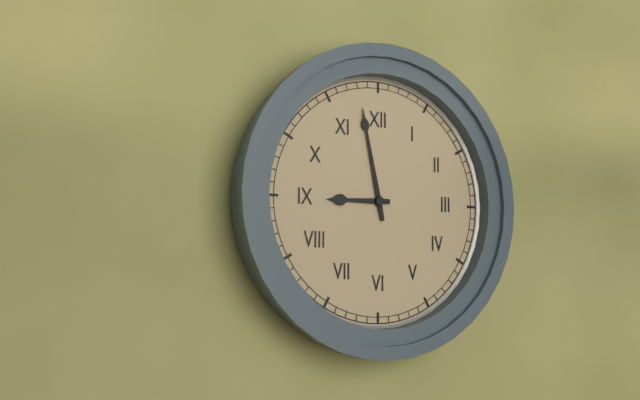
**8:58**
